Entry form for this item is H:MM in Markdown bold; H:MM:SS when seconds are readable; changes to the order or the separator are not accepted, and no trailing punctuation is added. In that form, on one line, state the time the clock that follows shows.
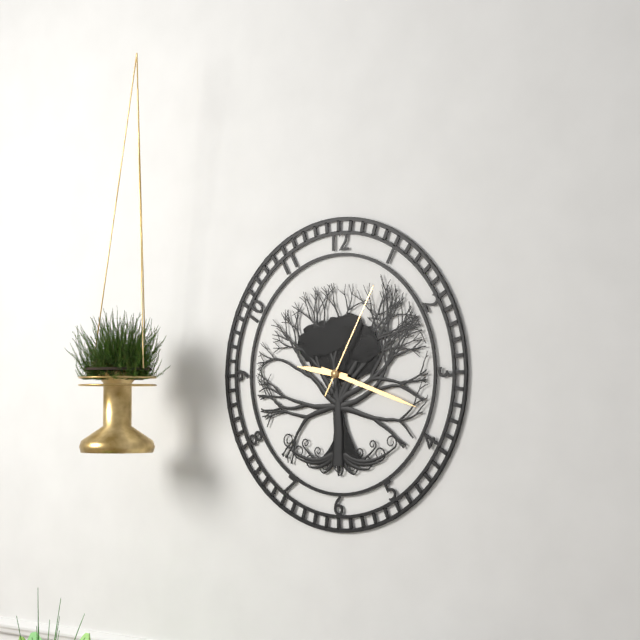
**9:18:05**
